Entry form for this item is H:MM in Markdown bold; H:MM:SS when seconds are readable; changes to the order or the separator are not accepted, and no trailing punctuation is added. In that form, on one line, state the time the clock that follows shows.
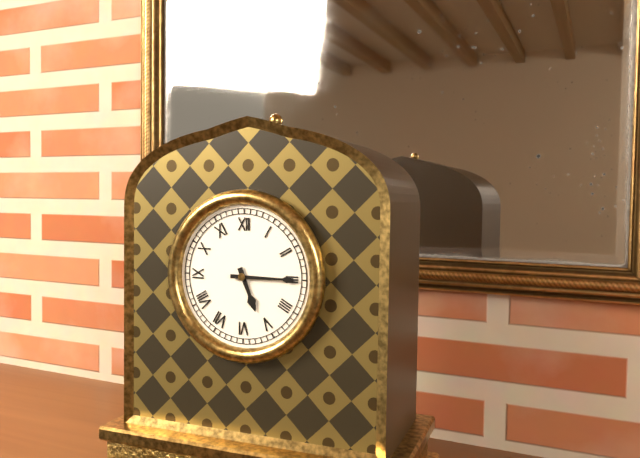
**5:15**
